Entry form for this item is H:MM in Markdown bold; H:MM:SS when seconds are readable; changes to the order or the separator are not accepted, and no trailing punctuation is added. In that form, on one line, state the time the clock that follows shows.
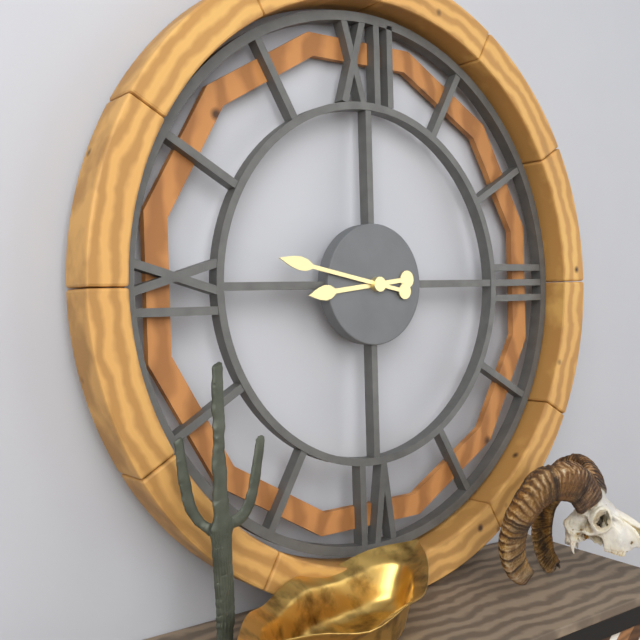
**8:47**
